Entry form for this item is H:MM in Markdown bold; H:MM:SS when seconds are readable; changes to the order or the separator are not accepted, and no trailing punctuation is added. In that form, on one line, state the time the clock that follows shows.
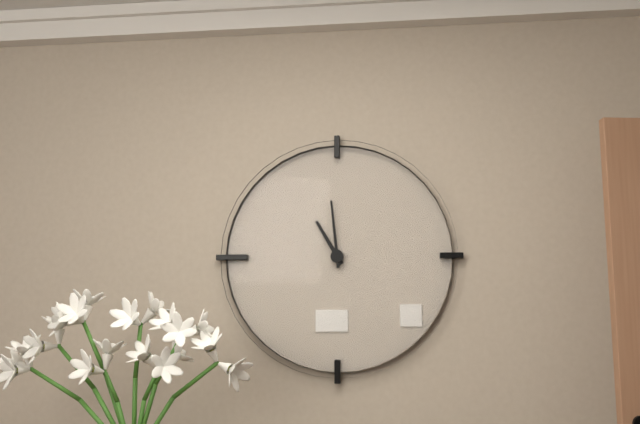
**10:59**
